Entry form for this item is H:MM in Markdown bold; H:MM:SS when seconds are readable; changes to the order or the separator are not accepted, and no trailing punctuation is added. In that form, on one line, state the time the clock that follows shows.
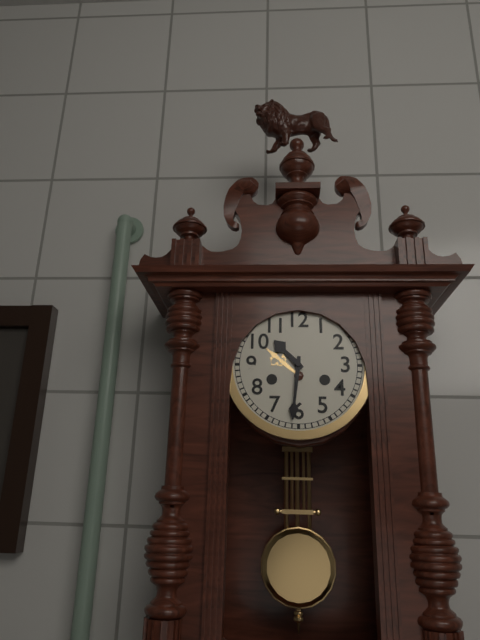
**10:31**
